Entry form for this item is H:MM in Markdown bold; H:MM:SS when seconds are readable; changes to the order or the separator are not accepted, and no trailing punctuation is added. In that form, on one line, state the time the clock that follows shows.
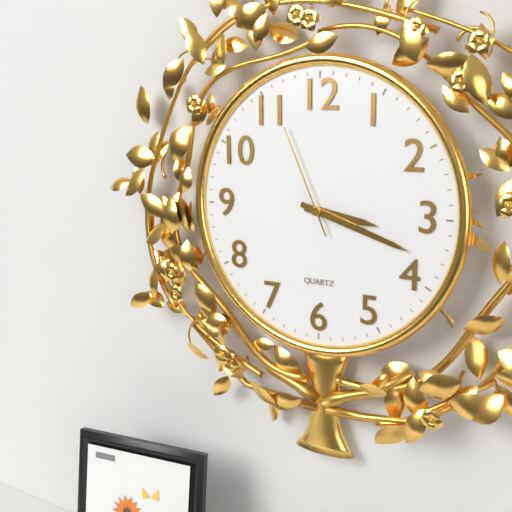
**3:18:56**
